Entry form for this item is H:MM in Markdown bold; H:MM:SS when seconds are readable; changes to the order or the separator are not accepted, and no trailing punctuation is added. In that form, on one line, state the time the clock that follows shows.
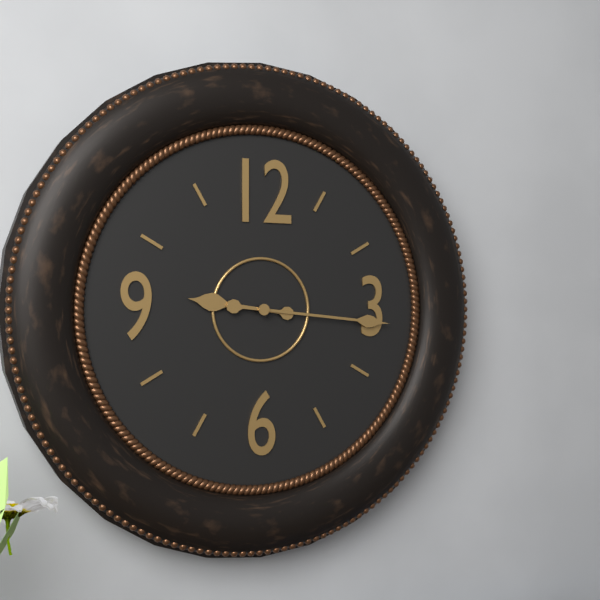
**9:16**
